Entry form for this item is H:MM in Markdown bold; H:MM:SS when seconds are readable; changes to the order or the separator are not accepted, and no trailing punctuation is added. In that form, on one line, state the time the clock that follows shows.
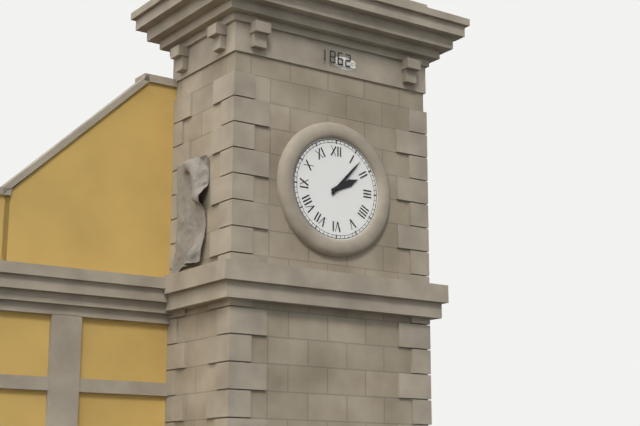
**2:07**
